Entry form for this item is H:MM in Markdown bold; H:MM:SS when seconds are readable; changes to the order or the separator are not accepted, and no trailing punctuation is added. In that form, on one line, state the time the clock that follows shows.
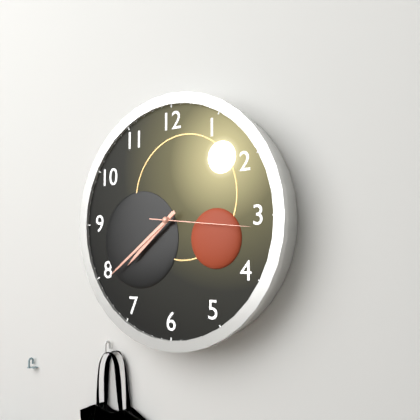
**7:39:16**
